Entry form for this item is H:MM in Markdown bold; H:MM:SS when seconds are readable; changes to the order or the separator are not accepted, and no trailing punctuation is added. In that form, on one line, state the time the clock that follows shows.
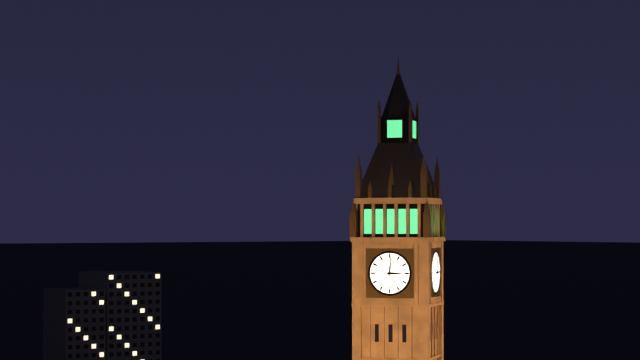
**3:01**
